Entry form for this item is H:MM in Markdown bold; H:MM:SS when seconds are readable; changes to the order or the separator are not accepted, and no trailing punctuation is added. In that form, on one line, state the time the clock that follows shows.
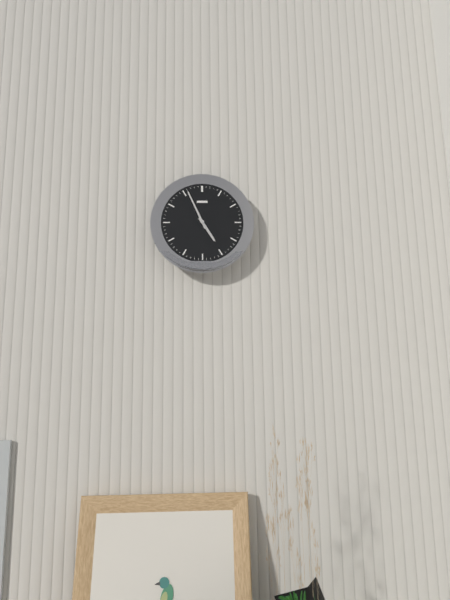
**4:56**
